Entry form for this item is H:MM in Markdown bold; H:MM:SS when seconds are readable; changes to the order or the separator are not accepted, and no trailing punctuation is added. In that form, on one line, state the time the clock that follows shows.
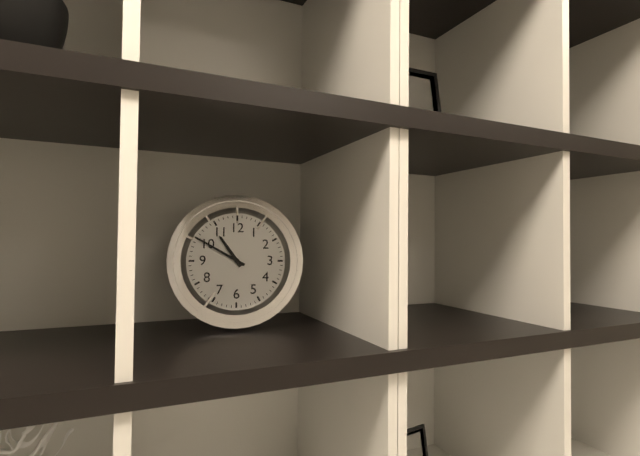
**10:50**
